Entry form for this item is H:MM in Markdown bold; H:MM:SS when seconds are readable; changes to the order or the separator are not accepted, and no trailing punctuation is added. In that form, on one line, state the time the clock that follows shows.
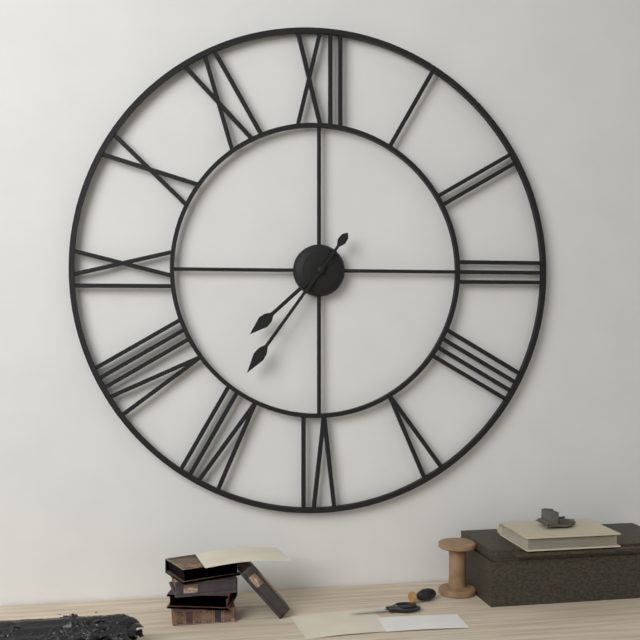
**7:36**
